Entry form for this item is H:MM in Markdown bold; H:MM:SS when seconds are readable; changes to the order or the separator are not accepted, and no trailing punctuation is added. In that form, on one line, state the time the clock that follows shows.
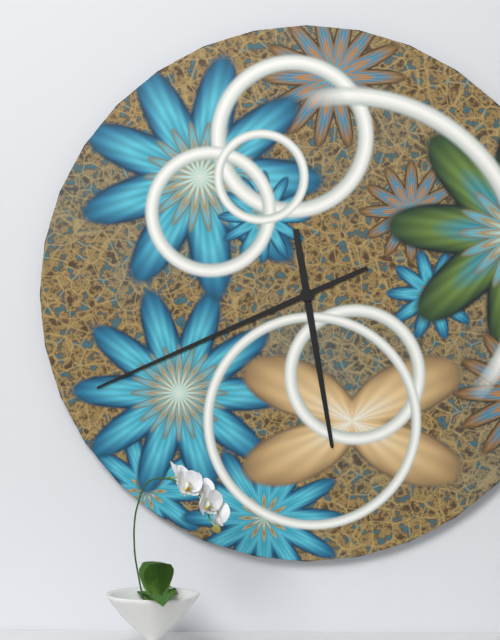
**5:41**
